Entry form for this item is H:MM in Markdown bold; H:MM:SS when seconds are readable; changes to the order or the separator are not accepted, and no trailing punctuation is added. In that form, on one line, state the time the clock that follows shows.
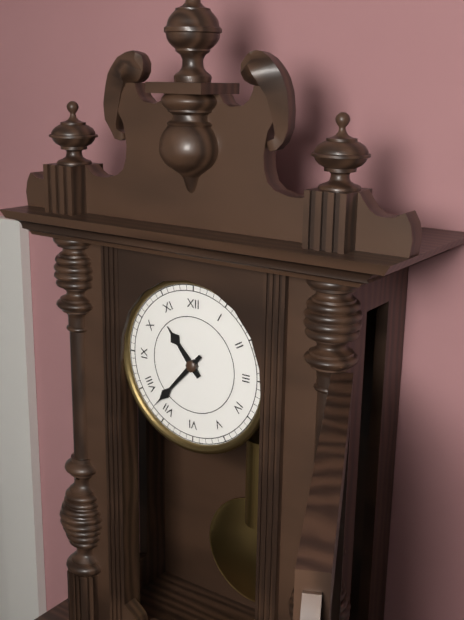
**10:37**
